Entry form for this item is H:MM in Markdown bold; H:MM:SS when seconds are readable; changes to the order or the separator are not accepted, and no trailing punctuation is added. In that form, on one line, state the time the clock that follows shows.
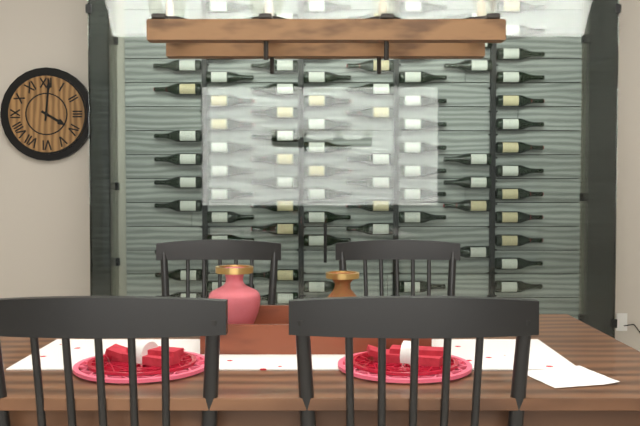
**4:01**
